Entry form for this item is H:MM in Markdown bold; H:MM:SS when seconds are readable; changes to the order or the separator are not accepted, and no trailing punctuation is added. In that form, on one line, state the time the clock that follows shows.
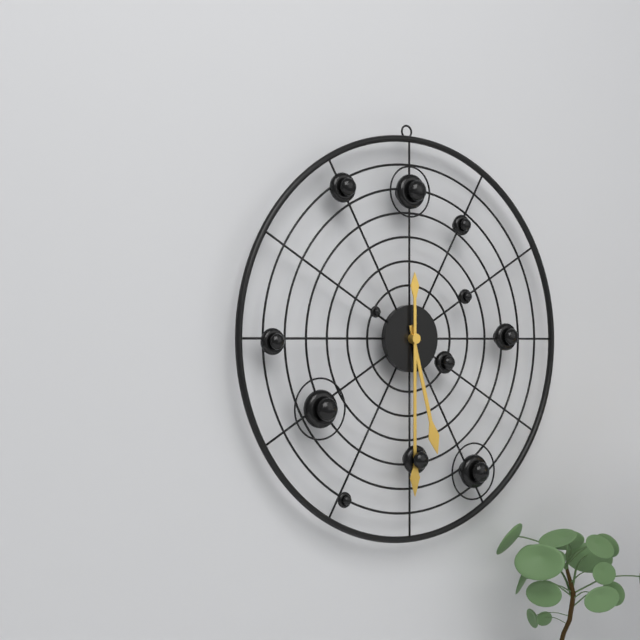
**5:30**
